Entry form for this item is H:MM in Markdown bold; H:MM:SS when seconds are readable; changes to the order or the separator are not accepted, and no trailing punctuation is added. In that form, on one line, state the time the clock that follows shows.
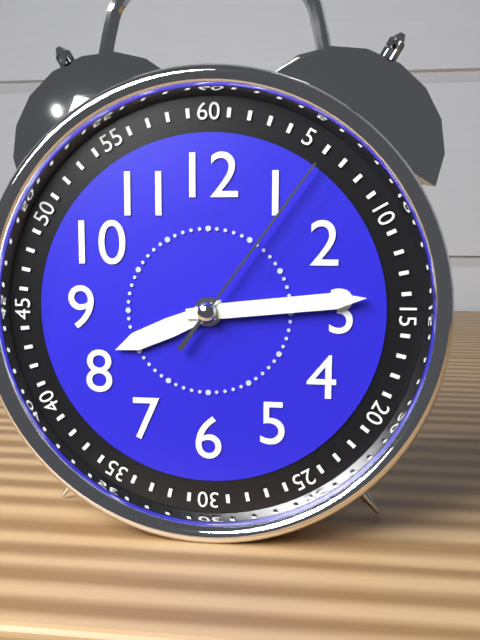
**8:14:06**
